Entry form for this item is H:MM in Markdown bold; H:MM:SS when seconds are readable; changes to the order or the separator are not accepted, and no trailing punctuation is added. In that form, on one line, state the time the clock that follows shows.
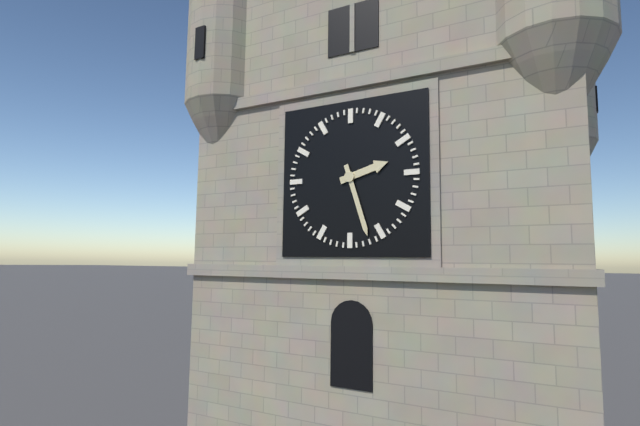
**2:27**
